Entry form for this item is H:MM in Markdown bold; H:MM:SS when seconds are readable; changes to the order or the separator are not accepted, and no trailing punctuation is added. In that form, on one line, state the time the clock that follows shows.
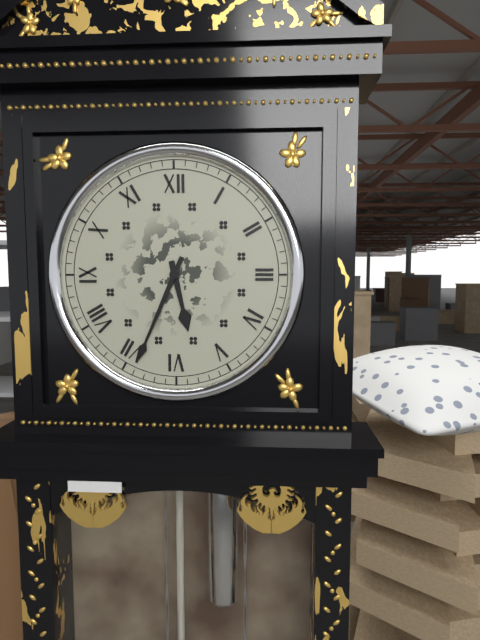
**5:34**
